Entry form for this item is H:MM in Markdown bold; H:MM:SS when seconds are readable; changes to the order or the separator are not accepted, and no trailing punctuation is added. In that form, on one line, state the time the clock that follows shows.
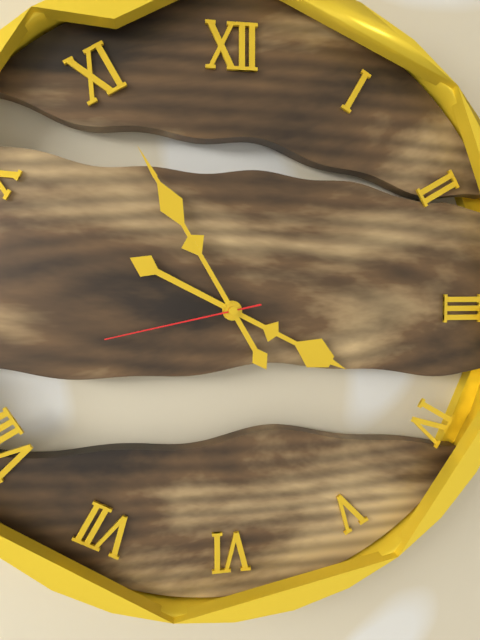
**3:55:43**
